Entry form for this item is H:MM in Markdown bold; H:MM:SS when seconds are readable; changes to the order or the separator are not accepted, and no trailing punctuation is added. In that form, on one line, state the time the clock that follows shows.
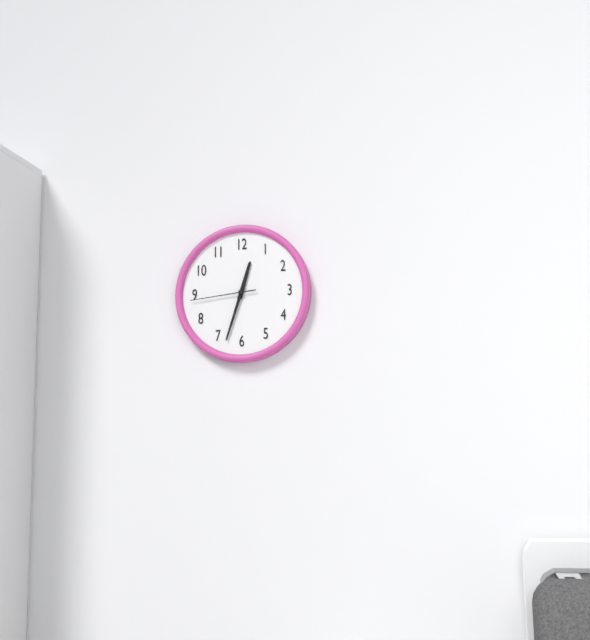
**12:33:44**
